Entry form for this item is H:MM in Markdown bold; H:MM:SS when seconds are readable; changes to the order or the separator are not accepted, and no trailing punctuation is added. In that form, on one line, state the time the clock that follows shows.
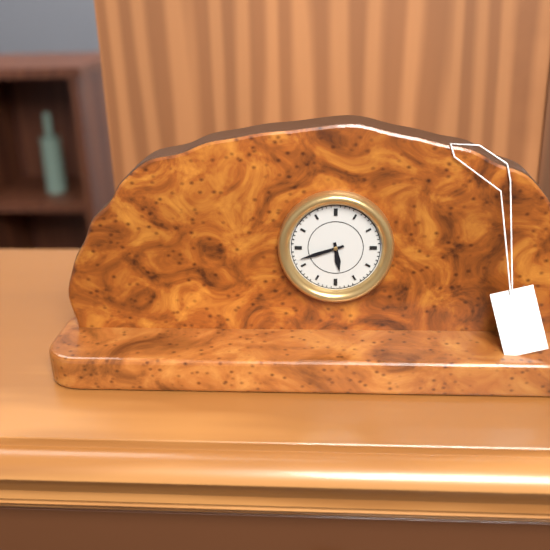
**5:42**
